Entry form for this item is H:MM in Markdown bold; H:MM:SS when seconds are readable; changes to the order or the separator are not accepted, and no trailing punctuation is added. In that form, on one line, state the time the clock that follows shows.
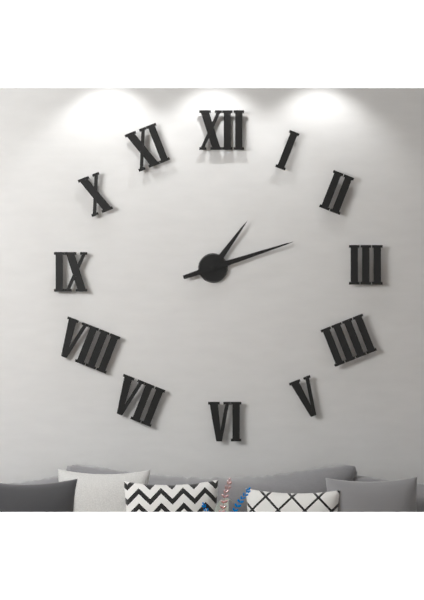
**1:12**
